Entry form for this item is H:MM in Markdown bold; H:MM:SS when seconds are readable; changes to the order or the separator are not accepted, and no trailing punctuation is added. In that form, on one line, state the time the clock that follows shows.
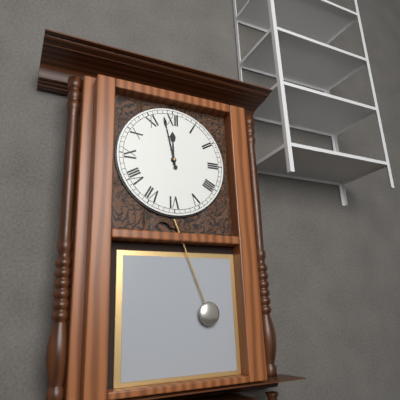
**11:58**
